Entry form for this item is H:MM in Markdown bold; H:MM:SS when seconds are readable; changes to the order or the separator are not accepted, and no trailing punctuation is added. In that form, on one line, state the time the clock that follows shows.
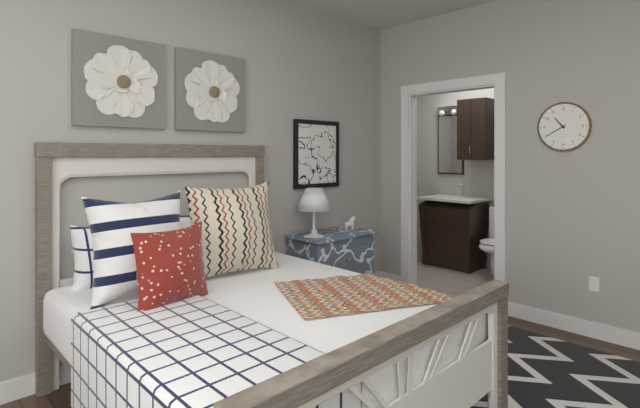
**10:40**
